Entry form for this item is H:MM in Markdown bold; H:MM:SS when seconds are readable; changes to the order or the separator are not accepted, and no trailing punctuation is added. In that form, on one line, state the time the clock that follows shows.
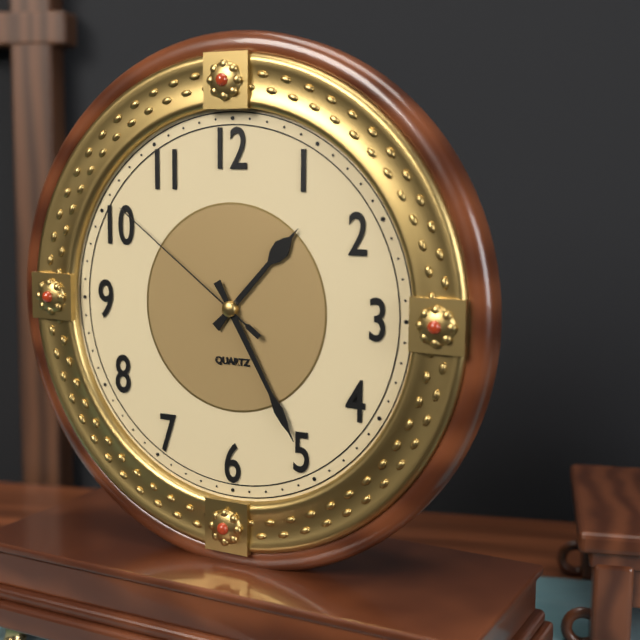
**1:25:51**
